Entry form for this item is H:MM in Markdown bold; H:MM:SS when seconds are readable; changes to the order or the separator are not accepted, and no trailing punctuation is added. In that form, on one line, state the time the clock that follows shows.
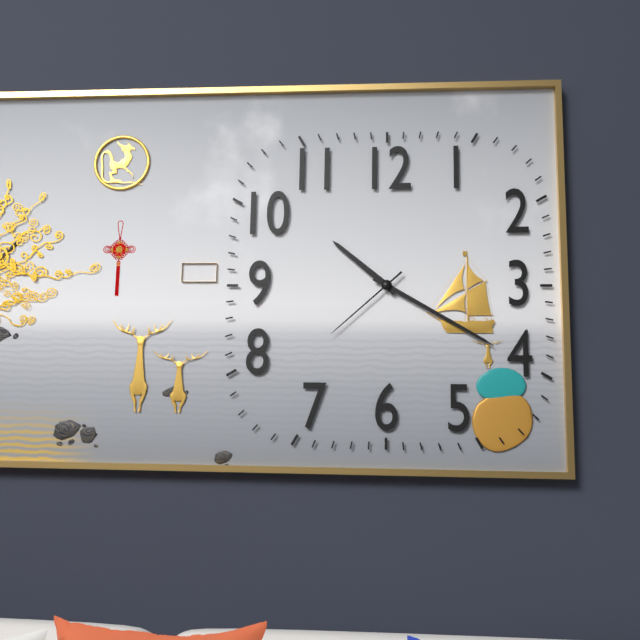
**10:20:38**
